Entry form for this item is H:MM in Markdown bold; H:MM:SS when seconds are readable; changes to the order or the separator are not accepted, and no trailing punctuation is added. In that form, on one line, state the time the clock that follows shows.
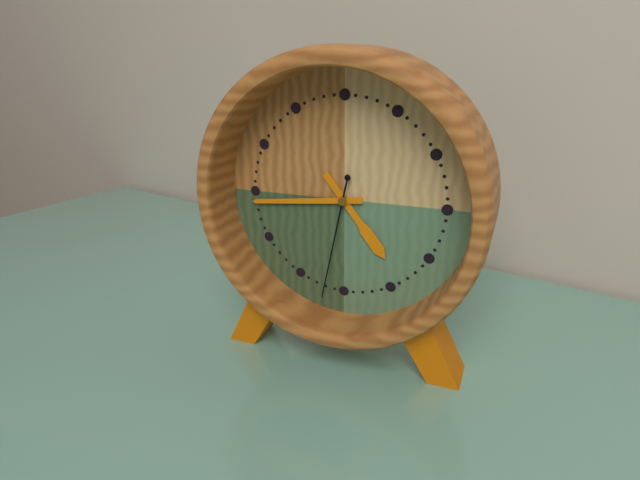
**4:44:32**
